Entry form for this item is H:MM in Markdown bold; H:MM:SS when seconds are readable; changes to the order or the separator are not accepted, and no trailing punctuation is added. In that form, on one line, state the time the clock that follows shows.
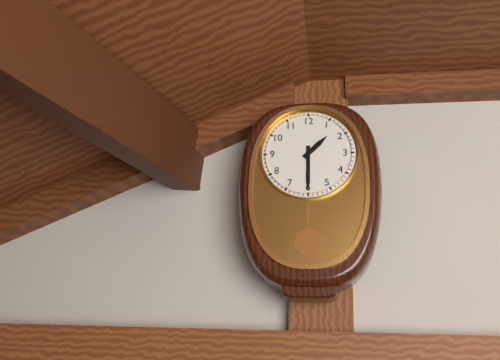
**1:30**
